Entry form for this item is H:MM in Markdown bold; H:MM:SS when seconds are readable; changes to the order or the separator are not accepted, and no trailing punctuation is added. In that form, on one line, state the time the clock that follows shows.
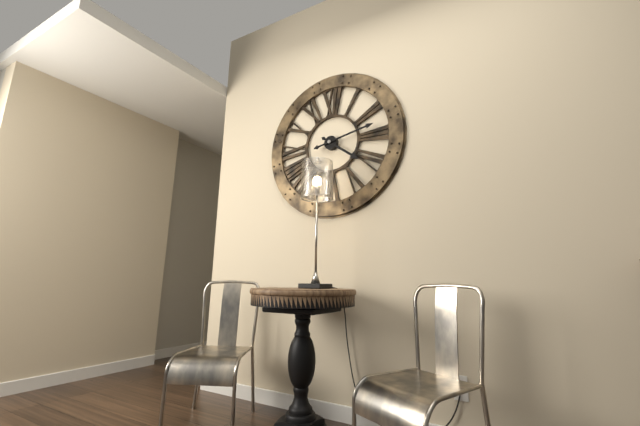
**4:13**
